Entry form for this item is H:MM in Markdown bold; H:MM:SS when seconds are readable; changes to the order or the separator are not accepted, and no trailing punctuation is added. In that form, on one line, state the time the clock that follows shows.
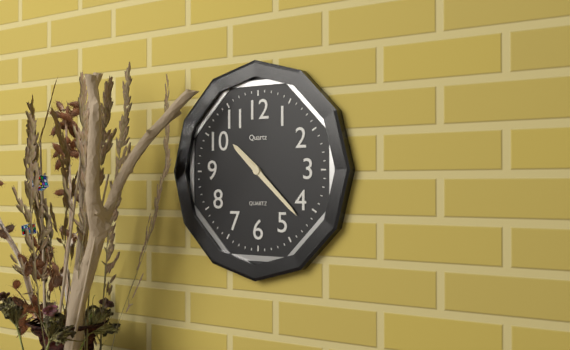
**10:22**
